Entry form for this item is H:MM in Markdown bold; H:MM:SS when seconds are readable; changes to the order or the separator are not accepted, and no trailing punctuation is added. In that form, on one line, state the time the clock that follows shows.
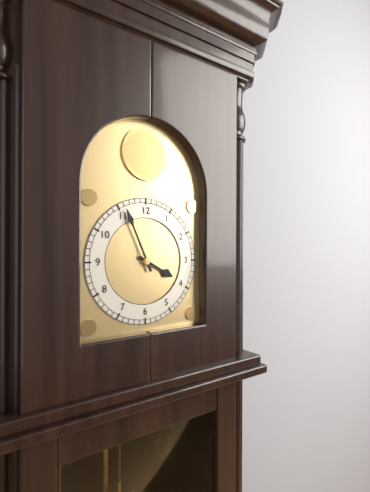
**3:56**
